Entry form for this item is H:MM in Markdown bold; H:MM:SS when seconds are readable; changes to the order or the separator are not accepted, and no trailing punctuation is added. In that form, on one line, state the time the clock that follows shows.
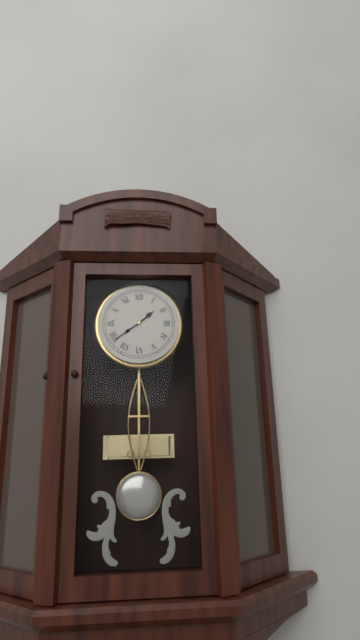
**1:39**
